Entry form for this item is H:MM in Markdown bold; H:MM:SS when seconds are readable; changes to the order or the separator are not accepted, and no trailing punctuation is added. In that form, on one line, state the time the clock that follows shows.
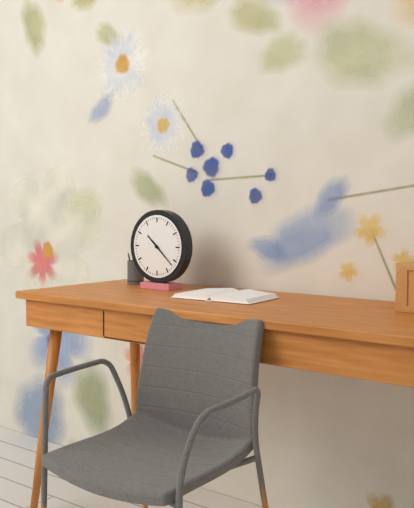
**10:22**
